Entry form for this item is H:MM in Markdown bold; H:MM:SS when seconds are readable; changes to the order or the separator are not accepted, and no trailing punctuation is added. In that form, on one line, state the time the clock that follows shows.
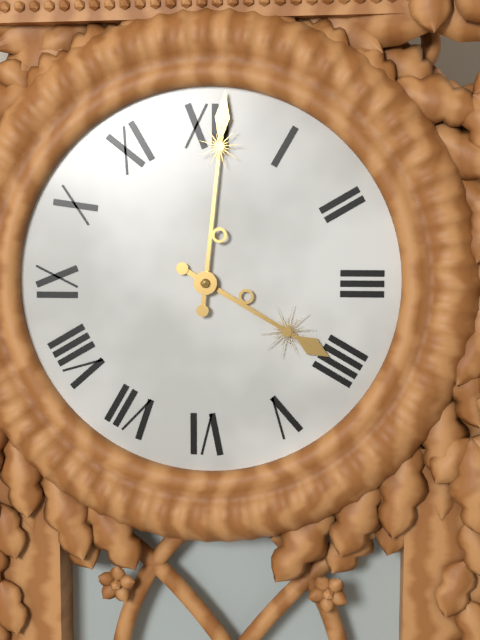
**4:01**
